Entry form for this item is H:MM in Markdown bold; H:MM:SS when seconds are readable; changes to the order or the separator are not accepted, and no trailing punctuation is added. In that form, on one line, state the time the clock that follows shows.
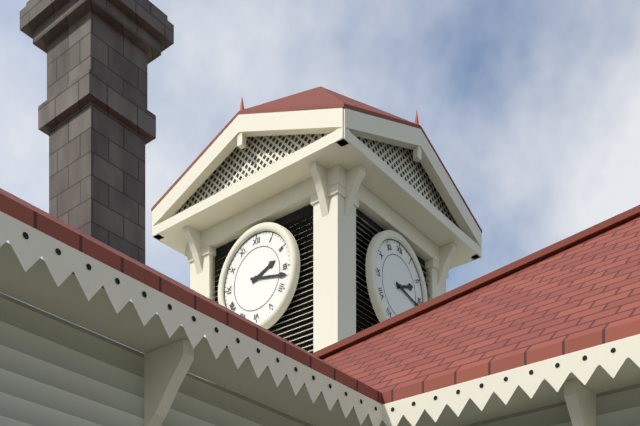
**2:17**
